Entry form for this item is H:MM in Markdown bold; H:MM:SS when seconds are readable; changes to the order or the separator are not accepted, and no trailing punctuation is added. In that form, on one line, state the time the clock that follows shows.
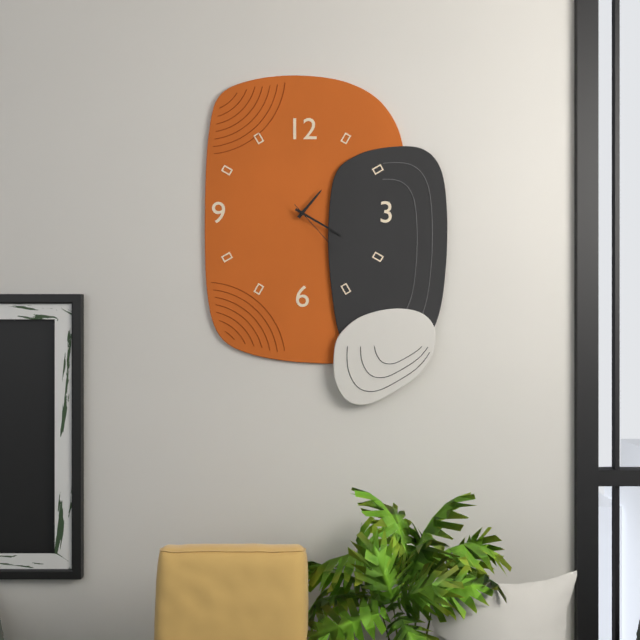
**1:20:23**
